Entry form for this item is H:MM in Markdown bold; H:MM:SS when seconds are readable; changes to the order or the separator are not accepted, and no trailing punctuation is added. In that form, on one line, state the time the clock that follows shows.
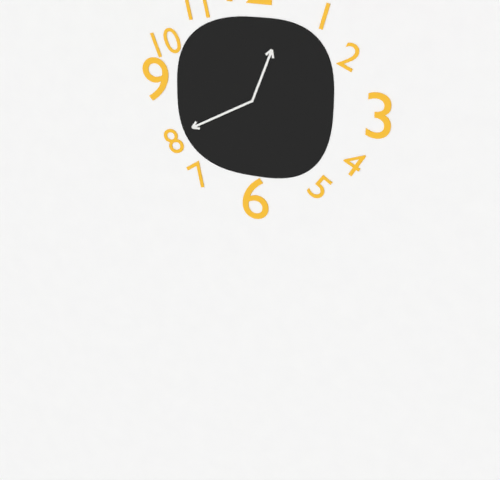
**12:40**
